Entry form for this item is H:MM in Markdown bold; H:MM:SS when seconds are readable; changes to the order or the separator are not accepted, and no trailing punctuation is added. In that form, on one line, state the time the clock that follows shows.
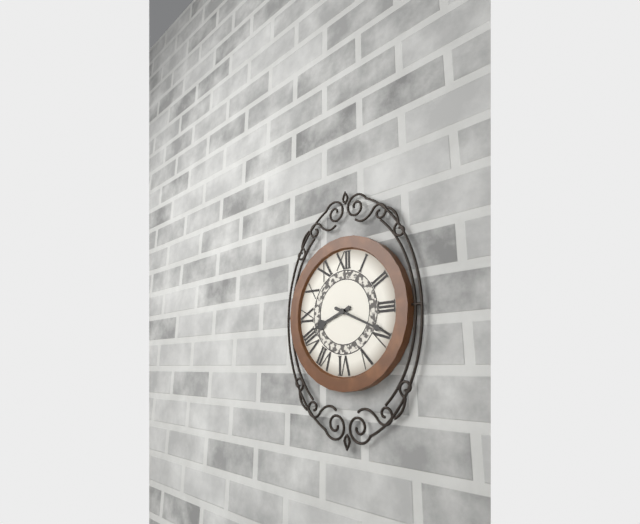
**8:19**
